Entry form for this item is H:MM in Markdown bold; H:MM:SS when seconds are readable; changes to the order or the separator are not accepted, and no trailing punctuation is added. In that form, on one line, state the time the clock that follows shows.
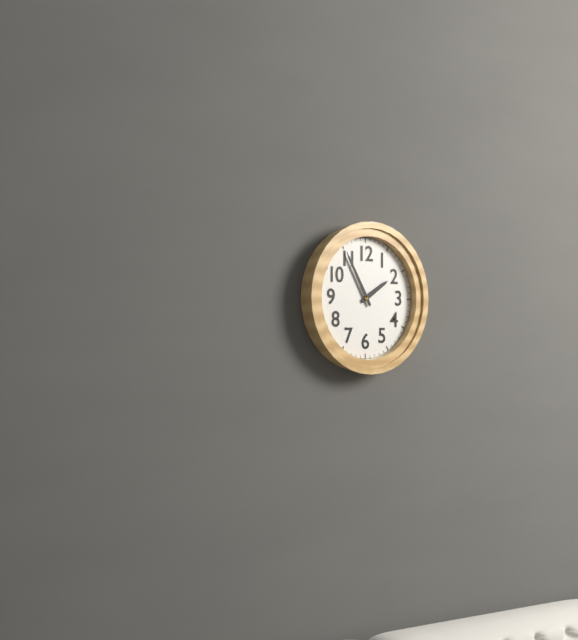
**1:55**
